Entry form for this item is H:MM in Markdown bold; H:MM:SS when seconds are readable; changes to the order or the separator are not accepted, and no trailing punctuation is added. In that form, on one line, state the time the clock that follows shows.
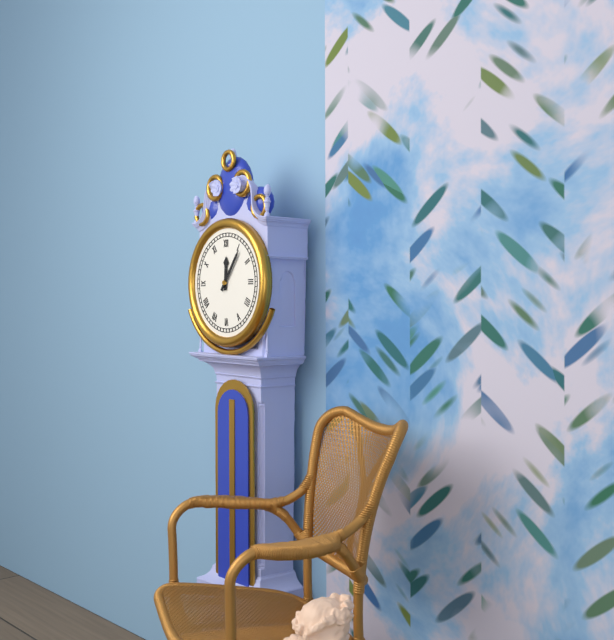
**12:06**
